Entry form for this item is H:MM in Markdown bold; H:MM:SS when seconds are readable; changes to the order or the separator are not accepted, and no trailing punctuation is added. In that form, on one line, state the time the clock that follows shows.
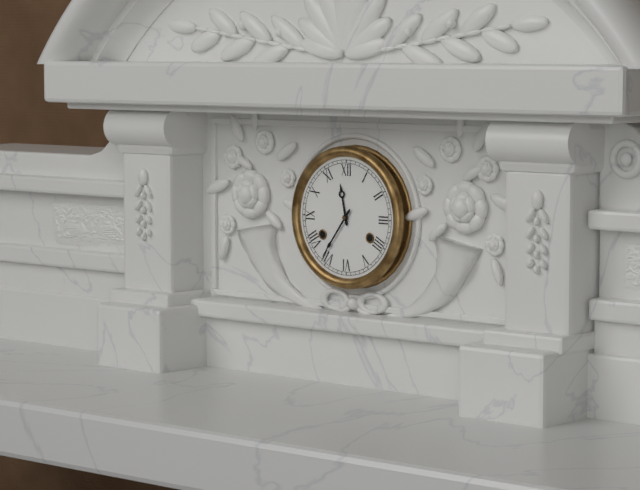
**11:36**
